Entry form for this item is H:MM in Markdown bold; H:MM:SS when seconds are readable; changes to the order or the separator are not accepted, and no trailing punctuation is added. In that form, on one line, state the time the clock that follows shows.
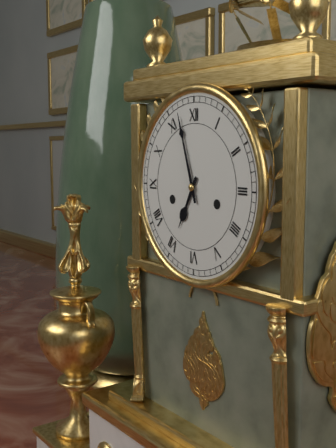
**6:57**
